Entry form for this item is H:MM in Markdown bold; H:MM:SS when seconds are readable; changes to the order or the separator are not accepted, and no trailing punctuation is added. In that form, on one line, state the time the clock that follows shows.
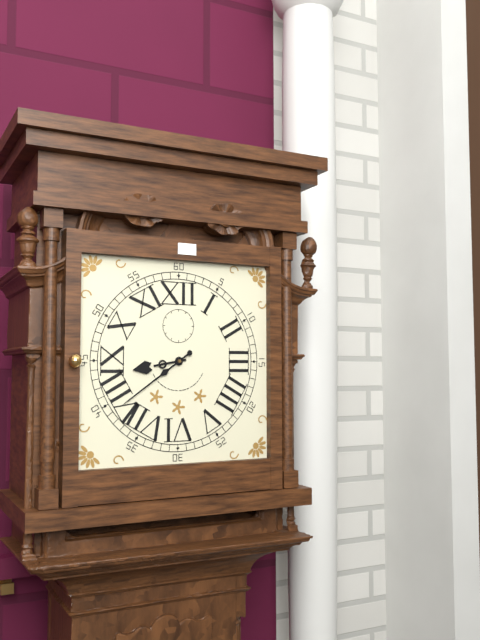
**8:39**
